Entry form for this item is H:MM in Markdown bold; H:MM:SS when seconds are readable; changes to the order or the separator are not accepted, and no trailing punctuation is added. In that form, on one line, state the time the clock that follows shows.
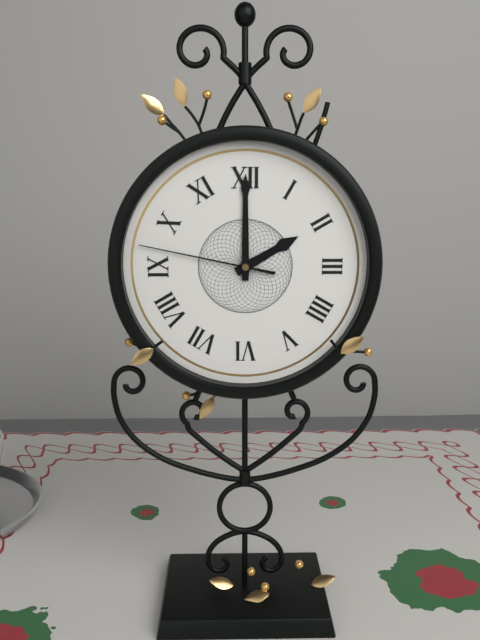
**2:00:47**
